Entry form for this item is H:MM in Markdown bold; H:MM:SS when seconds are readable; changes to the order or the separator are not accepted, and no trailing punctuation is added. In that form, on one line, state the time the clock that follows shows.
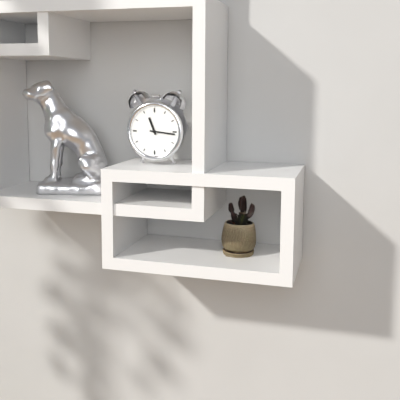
**11:16**
